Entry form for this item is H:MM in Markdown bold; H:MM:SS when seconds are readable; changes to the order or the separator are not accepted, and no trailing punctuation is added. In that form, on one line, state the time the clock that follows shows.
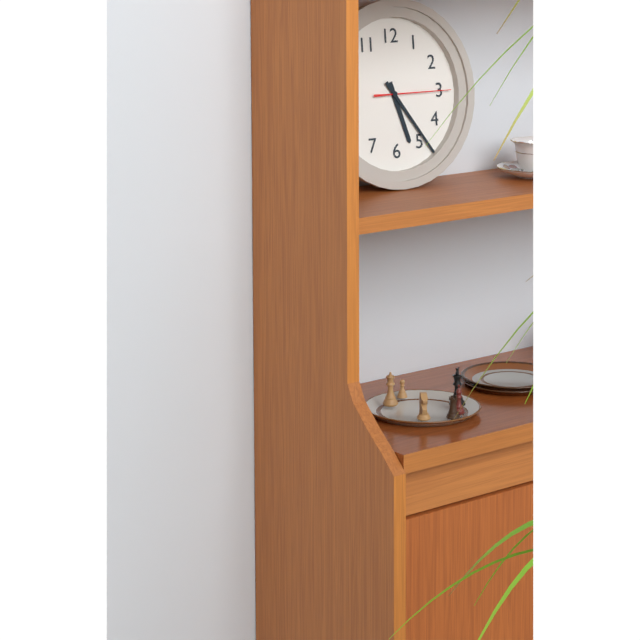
**5:24:15**
